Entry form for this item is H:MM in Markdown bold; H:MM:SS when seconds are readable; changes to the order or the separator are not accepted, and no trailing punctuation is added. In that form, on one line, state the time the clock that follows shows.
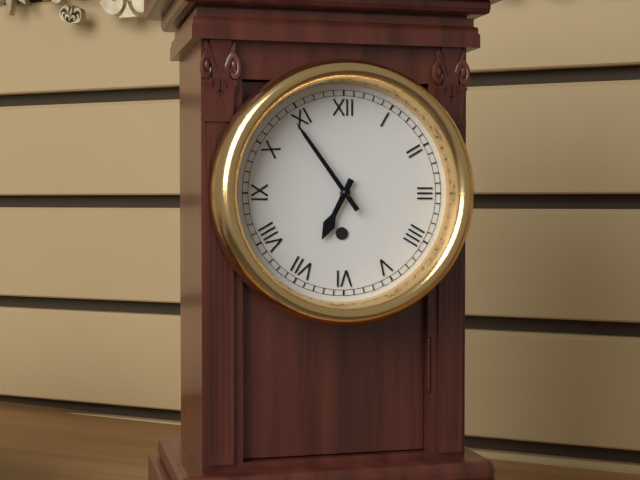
**6:54**
